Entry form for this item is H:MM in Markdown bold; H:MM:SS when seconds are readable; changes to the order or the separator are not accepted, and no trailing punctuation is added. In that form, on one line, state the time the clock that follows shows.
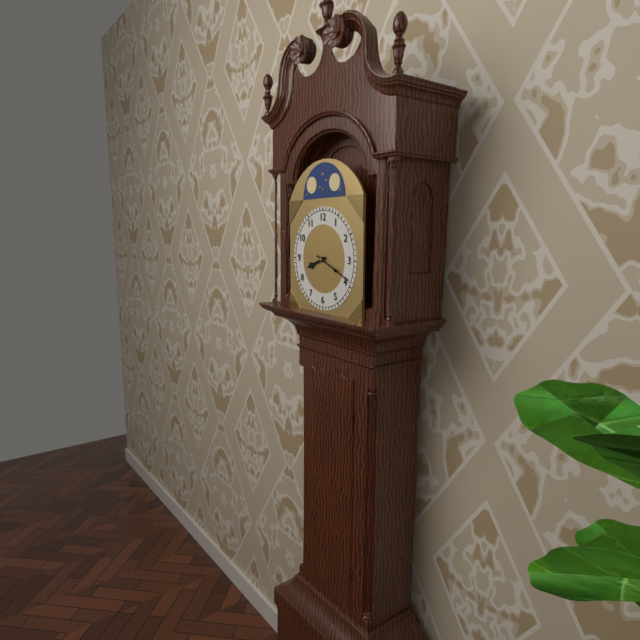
**8:19**
